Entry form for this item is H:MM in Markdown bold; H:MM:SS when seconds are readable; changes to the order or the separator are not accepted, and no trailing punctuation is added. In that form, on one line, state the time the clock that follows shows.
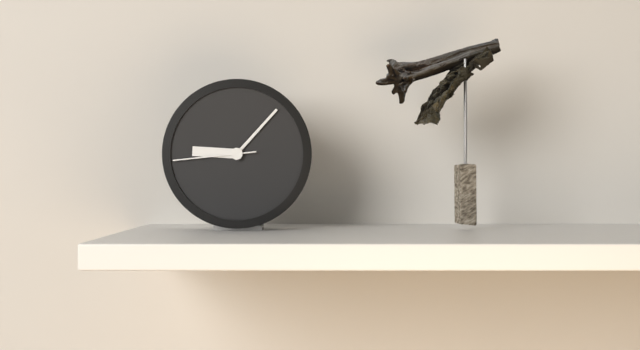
**9:07:44**
